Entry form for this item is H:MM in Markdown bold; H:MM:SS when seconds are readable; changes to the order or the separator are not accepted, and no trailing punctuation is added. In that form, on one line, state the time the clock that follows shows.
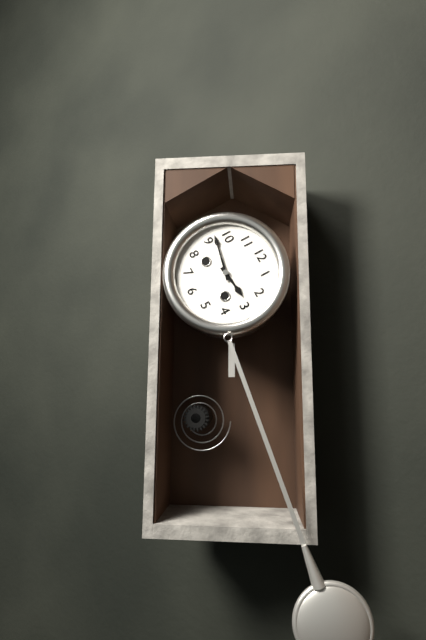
**2:47**
